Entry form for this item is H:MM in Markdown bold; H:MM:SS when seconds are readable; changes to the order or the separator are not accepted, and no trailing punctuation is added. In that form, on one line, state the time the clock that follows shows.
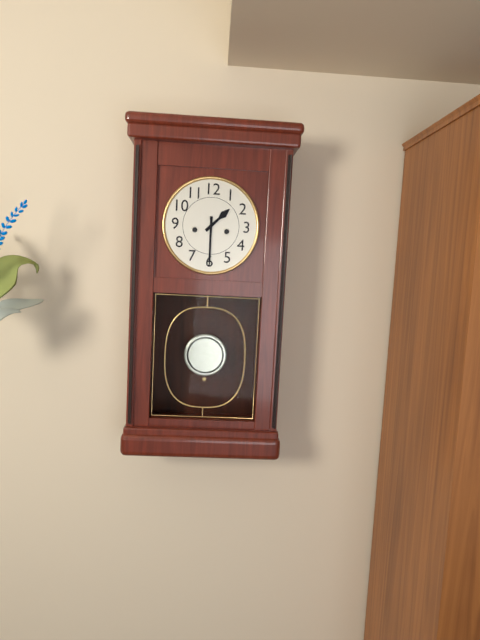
**1:30**
